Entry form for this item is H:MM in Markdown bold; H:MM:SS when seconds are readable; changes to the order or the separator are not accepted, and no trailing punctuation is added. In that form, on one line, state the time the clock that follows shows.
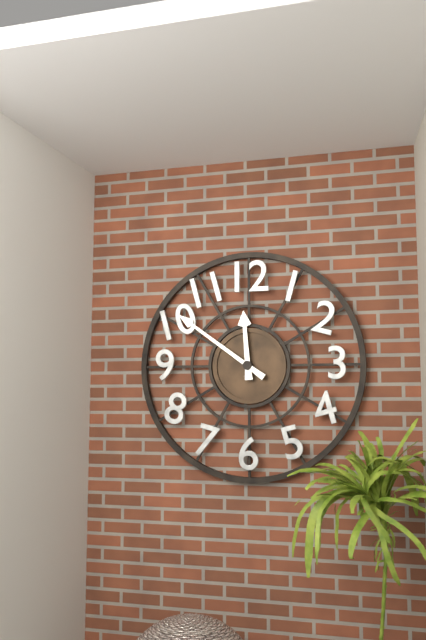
**11:51**
